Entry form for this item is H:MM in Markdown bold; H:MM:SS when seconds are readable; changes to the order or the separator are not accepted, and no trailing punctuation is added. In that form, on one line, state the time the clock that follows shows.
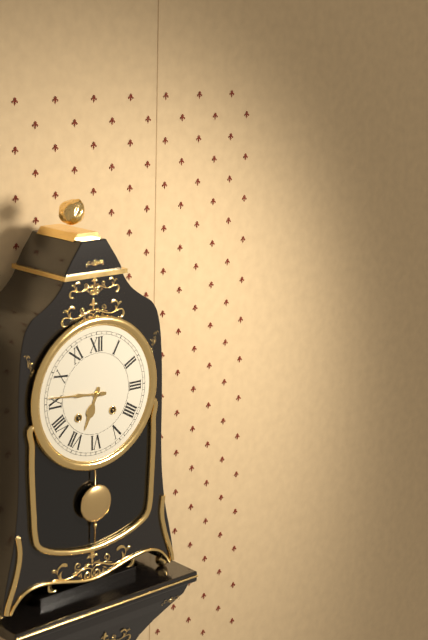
**6:46**
